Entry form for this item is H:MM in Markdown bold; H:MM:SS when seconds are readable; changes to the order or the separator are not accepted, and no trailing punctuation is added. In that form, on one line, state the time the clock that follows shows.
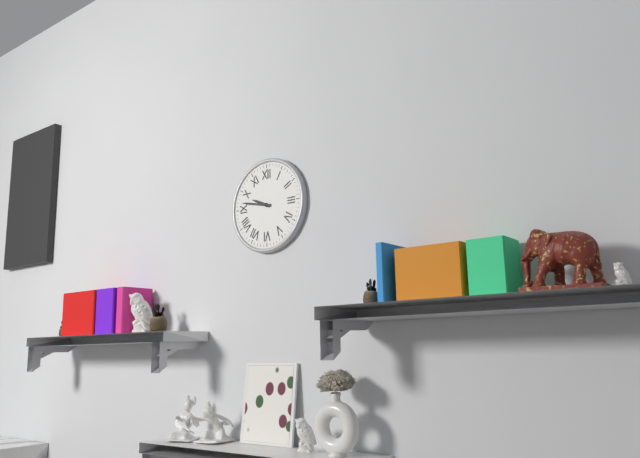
**9:47**
